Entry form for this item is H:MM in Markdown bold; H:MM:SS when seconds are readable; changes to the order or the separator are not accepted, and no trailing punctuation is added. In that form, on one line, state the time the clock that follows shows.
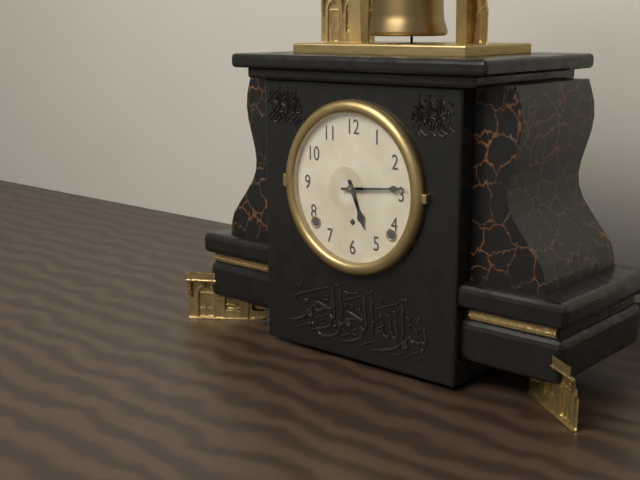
**5:14**
